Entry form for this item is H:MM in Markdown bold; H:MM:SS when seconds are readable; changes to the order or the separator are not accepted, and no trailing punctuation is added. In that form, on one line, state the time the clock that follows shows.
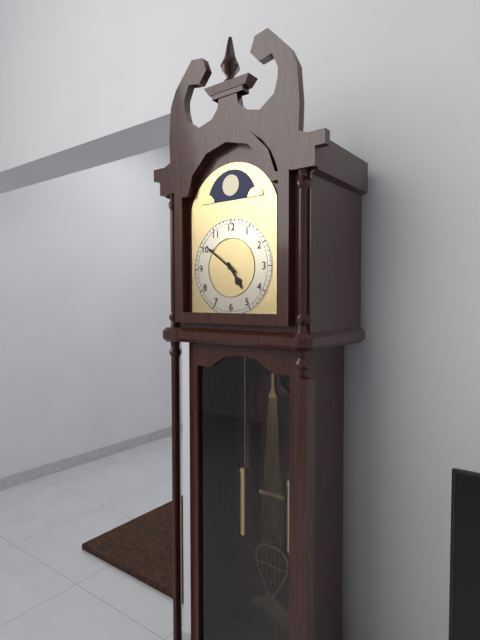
**4:51**
